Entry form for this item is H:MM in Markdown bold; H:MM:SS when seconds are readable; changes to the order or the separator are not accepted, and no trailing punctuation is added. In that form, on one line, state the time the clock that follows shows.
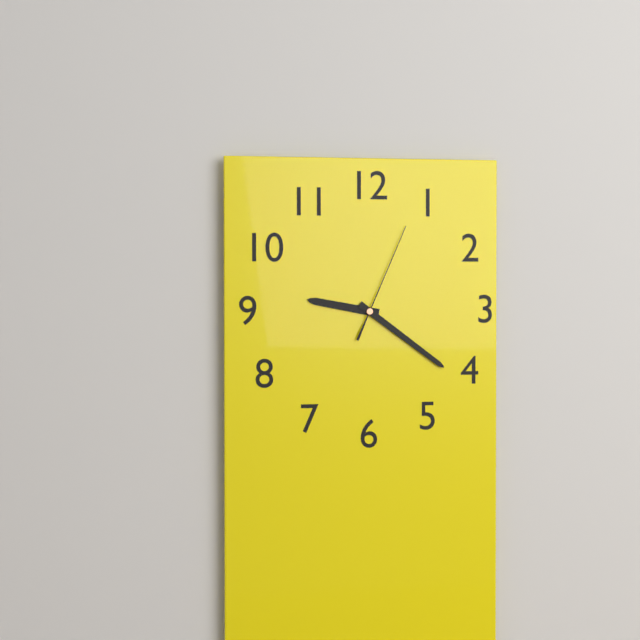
**9:21:04**
